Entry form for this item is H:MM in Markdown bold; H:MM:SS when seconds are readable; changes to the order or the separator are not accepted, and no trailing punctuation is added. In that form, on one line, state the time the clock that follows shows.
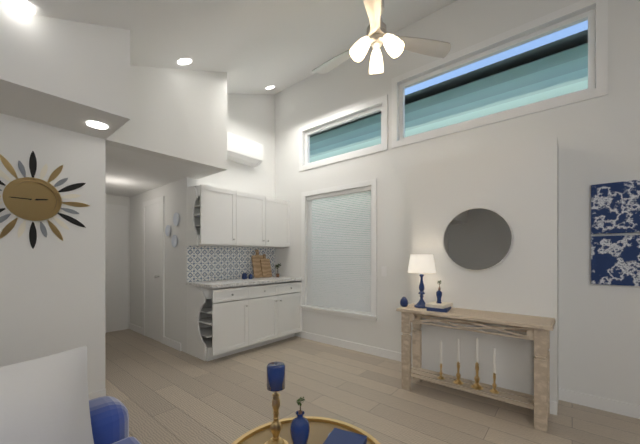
**2:45**
